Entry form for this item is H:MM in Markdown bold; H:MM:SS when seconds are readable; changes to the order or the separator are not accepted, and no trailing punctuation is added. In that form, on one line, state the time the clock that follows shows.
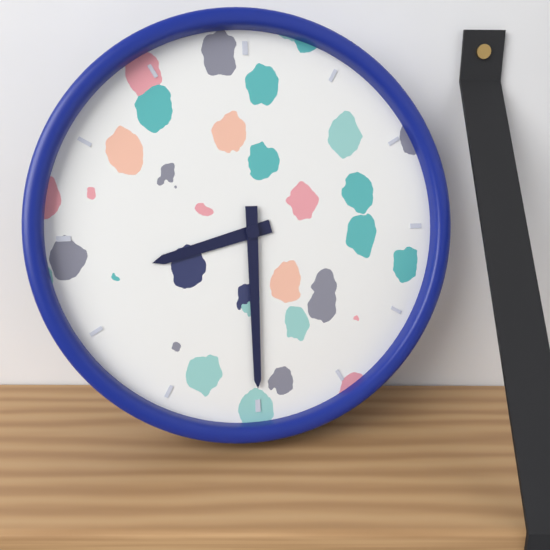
**8:30**
